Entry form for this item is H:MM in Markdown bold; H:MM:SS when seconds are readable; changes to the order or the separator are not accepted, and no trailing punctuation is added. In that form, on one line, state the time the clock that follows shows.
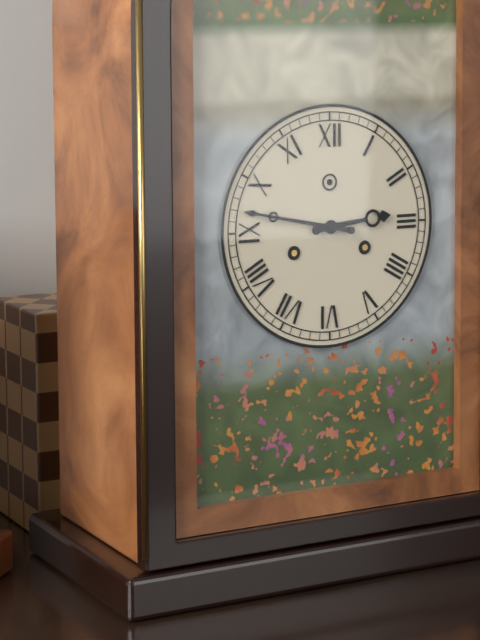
**2:47**
